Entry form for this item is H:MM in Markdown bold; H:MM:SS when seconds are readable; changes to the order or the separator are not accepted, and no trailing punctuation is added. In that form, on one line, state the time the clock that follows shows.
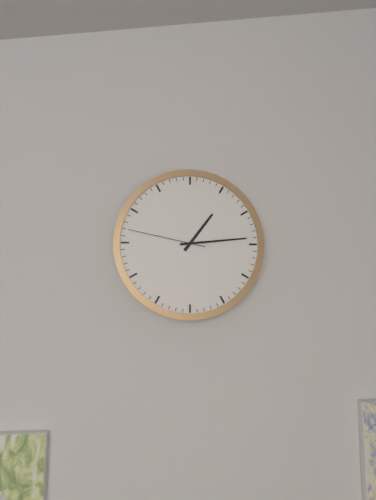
**1:14:47**
